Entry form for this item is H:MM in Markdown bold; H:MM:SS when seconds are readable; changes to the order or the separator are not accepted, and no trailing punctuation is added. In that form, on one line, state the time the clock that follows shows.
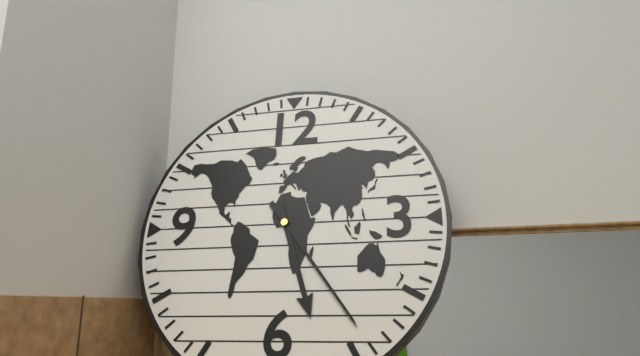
**5:24**
